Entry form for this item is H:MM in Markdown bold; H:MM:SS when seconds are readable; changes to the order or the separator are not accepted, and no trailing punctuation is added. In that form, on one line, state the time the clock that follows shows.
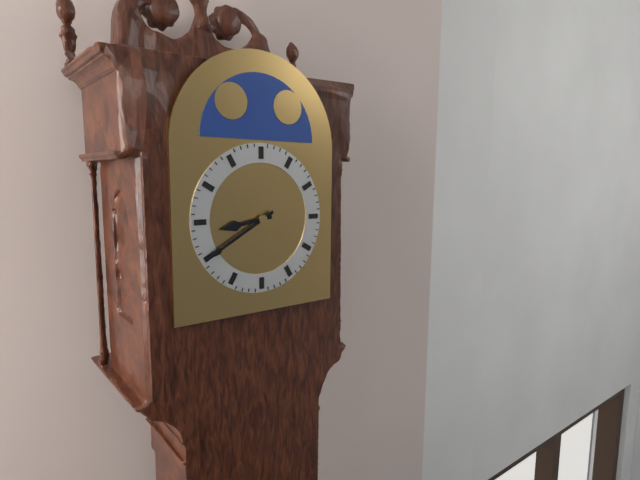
**8:40**
